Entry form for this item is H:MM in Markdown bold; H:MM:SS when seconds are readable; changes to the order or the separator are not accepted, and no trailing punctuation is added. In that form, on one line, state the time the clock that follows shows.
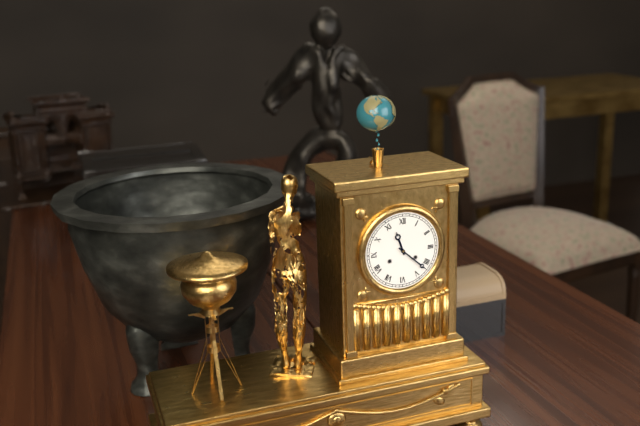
**11:22**
